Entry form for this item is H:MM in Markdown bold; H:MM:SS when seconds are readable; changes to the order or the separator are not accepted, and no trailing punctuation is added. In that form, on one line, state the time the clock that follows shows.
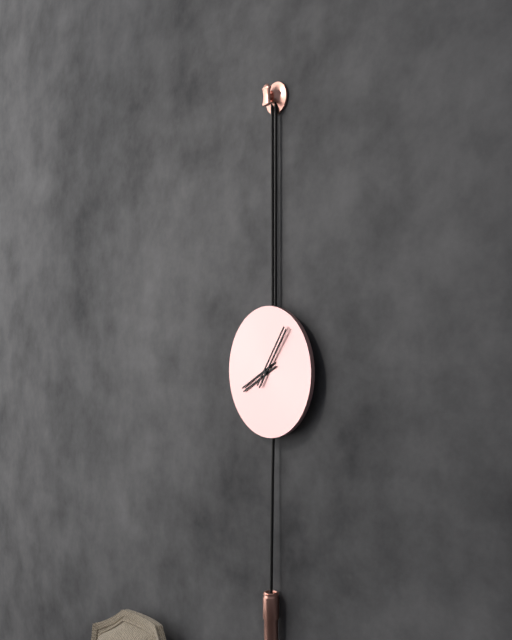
**8:06**
